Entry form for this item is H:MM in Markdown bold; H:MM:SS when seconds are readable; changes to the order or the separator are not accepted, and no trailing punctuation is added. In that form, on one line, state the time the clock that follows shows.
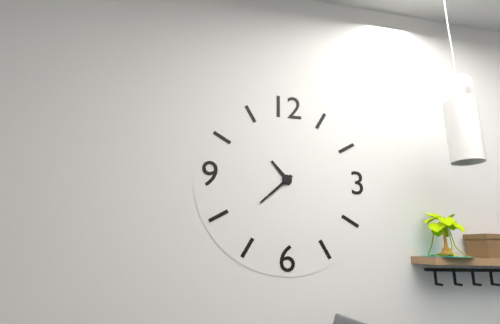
**10:38**
